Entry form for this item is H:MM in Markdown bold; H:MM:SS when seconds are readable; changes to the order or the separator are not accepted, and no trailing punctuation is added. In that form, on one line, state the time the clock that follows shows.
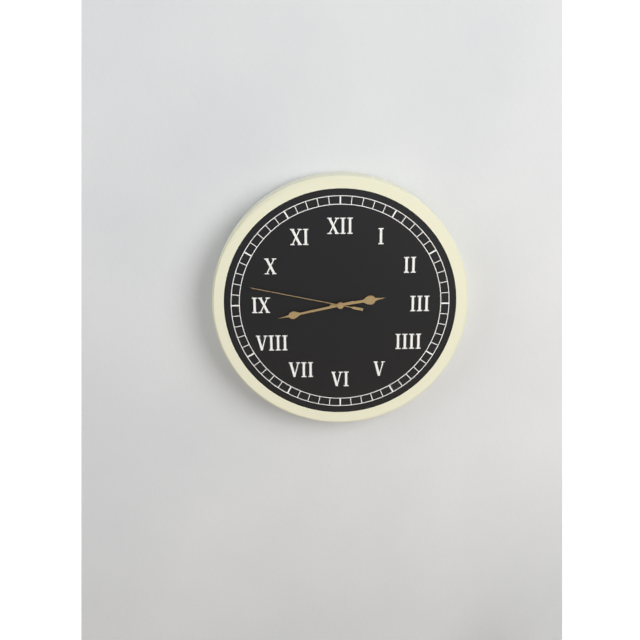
**2:43:47**
